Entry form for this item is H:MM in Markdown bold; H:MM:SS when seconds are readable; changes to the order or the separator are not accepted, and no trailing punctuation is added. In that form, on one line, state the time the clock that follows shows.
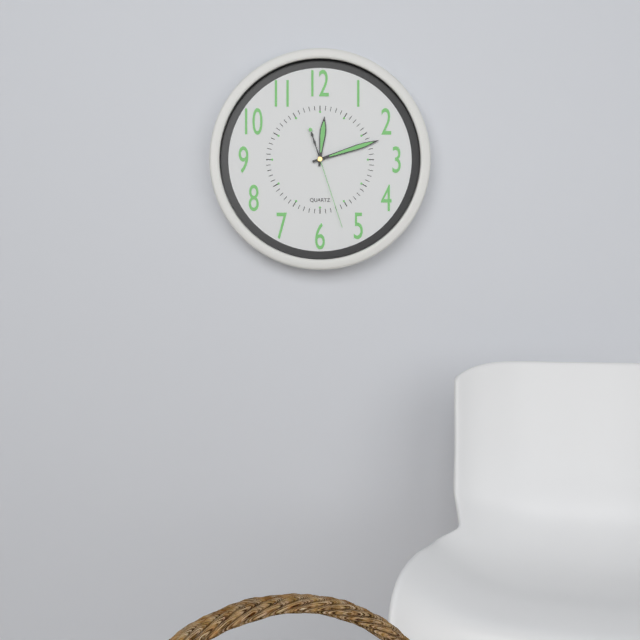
**12:12:27**
